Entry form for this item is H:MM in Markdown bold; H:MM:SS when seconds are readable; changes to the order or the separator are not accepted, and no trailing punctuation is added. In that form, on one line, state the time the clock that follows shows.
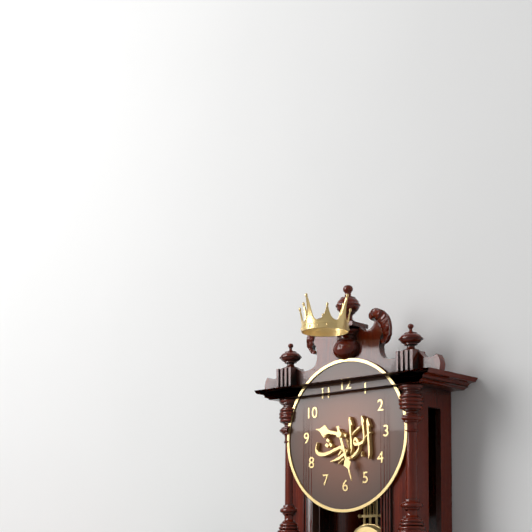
**9:27**
